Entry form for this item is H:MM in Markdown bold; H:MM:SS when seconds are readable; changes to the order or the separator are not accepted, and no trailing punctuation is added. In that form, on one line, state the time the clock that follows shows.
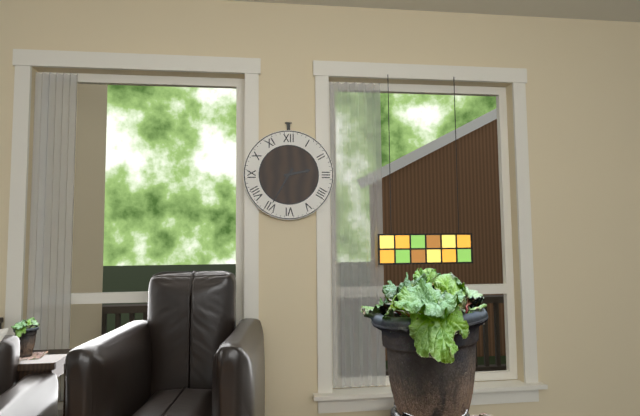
**2:35**
